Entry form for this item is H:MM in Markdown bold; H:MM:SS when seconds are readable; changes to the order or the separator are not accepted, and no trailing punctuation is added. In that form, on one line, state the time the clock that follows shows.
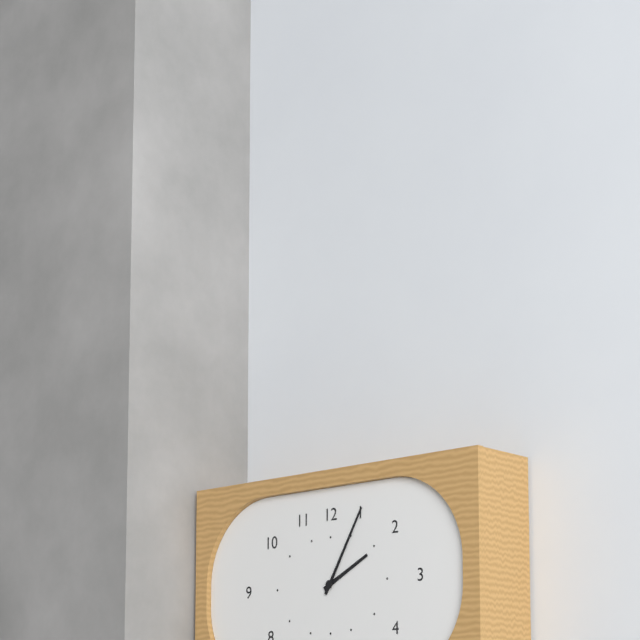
**2:05**
